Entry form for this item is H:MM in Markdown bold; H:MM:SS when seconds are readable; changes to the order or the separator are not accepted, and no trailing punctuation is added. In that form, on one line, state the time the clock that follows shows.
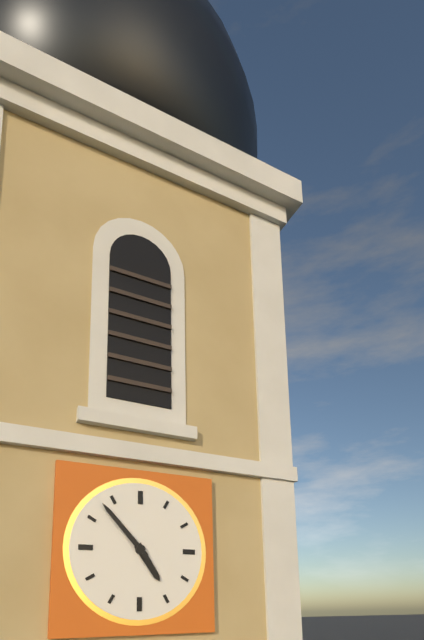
**4:53**
